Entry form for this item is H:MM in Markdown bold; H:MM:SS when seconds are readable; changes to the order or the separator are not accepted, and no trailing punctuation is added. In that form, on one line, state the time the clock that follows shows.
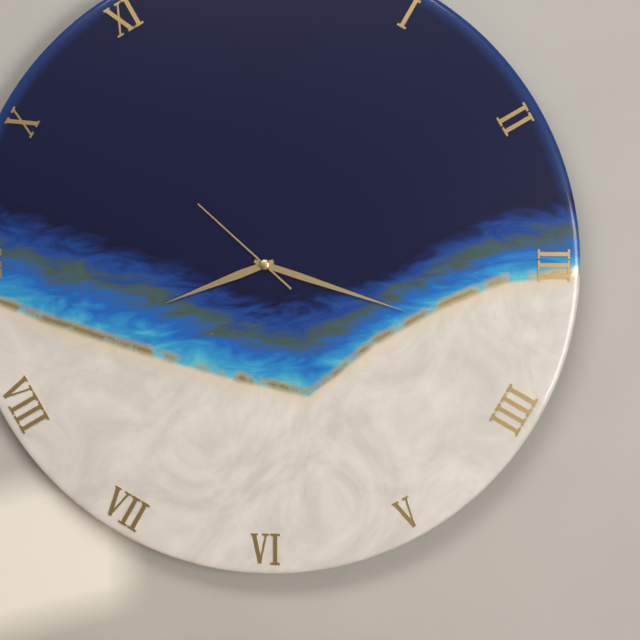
**8:18:52**
